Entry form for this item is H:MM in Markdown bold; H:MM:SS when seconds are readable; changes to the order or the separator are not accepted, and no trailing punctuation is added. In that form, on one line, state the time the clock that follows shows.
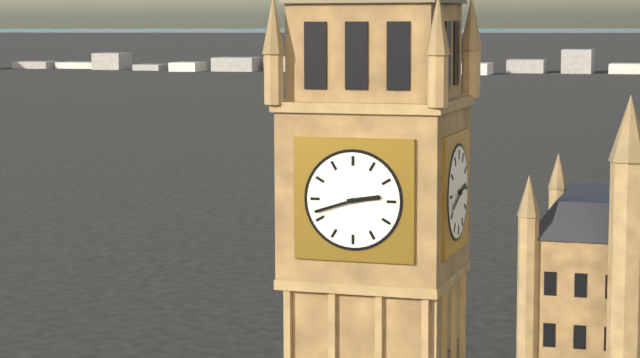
**2:42**
